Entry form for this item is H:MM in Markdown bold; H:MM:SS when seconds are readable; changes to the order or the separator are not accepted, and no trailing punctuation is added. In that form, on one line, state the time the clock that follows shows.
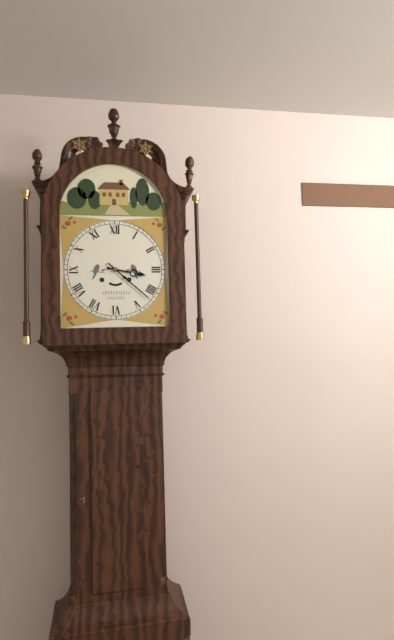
**3:22**
